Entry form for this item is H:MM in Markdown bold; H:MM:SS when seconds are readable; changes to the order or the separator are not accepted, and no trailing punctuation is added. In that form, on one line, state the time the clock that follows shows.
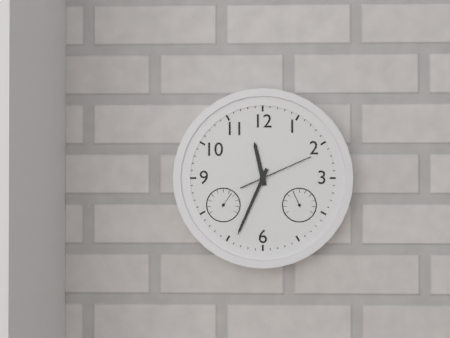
**11:34:11**
